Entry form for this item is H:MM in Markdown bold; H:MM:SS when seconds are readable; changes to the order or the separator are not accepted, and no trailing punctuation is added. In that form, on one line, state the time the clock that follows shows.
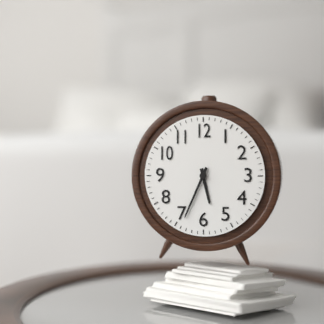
**5:34**
